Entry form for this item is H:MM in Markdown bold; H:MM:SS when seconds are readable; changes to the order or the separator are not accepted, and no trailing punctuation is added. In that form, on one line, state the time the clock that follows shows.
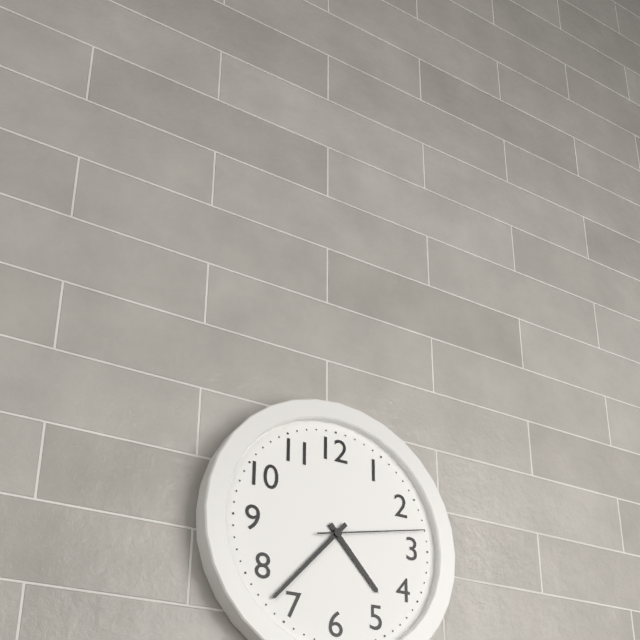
**4:37:13**
